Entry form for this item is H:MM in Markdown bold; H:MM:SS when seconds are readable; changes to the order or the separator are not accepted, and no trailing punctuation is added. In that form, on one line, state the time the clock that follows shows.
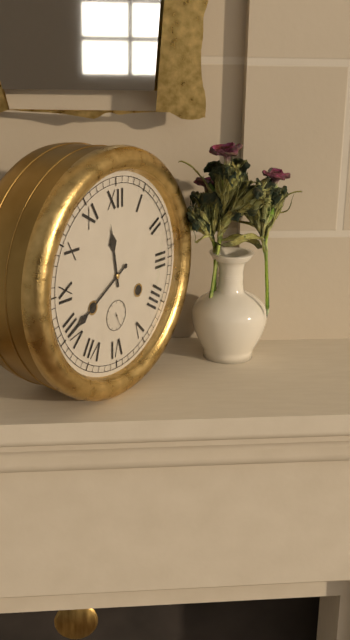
**11:40**
